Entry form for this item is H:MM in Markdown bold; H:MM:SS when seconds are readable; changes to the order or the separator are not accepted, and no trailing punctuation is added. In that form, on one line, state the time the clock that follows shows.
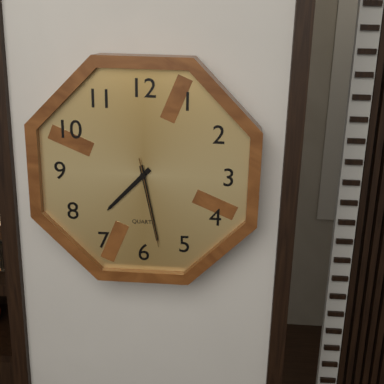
**7:28:28**
